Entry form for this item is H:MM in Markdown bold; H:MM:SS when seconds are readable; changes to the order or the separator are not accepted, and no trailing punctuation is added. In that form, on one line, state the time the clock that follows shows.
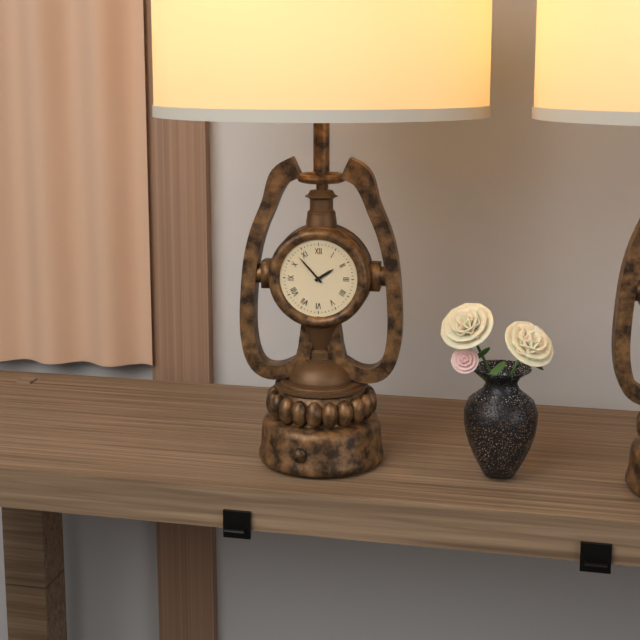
**1:53**
